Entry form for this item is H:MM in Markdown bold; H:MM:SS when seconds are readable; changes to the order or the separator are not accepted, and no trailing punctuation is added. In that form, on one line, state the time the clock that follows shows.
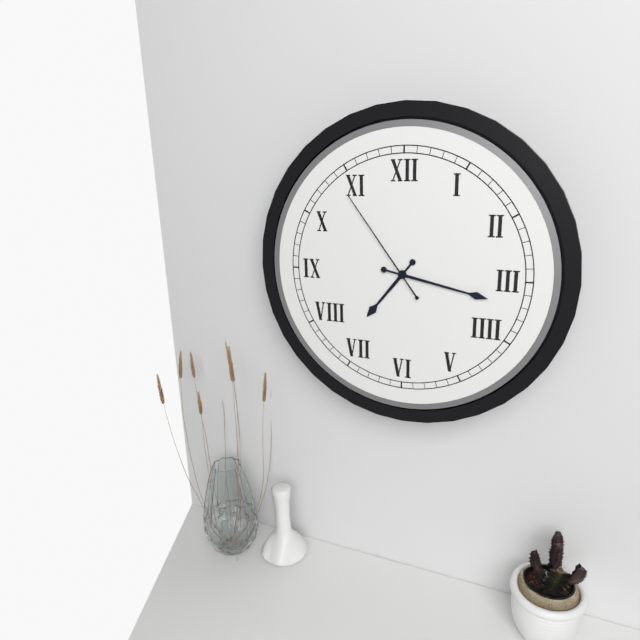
**7:17:54**
